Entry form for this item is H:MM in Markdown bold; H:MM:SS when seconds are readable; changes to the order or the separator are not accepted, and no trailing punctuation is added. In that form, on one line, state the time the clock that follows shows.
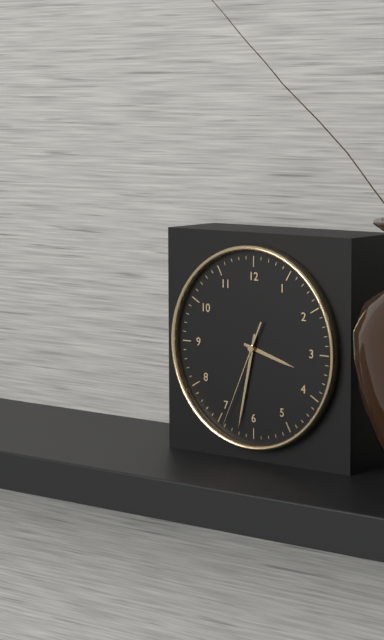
**3:32:34**
